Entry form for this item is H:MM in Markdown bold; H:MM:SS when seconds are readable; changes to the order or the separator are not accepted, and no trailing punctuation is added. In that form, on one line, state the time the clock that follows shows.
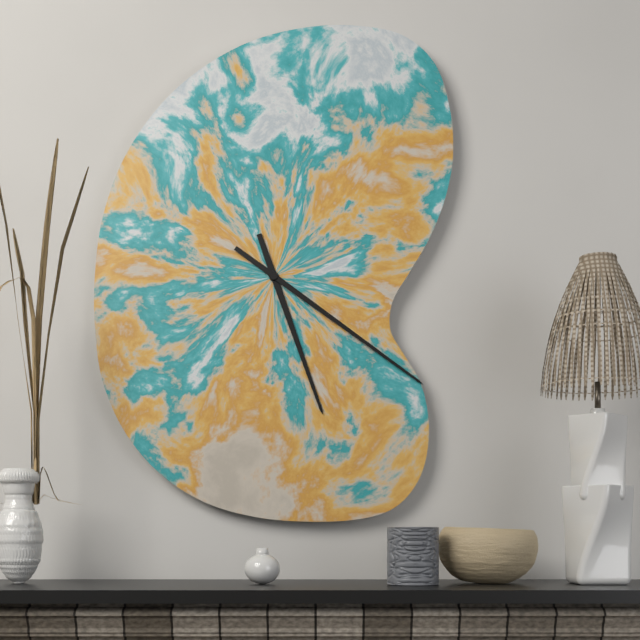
**5:21**
